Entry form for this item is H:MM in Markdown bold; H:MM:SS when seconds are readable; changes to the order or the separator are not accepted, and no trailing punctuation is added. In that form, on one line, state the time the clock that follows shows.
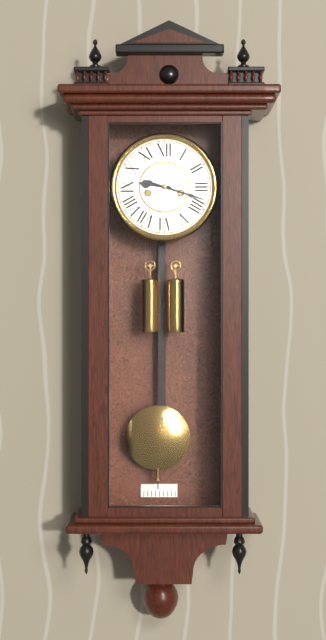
**9:18**
